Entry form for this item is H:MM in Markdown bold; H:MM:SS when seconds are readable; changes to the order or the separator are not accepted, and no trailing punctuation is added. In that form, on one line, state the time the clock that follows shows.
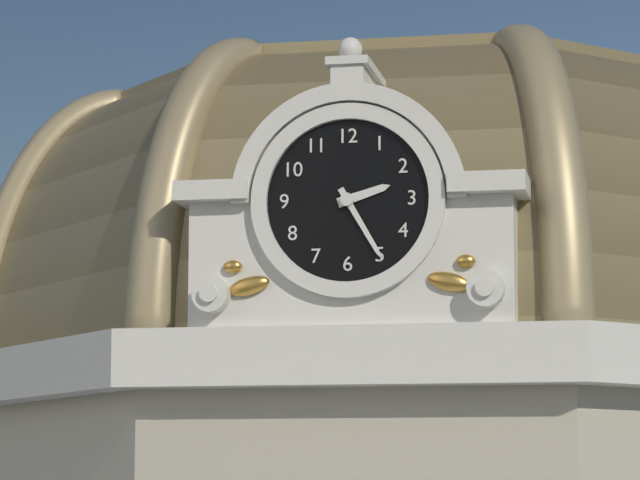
**2:25**
